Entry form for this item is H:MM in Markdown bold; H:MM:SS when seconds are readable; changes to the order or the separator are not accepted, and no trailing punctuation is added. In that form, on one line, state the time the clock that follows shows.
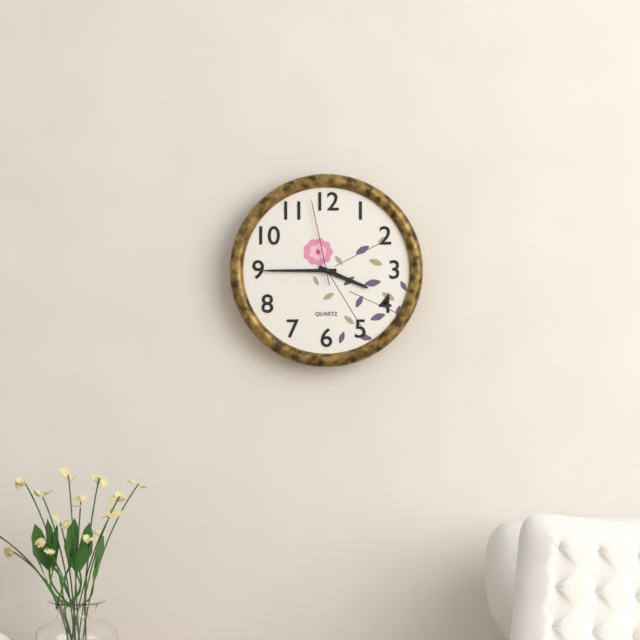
**3:45:58**
